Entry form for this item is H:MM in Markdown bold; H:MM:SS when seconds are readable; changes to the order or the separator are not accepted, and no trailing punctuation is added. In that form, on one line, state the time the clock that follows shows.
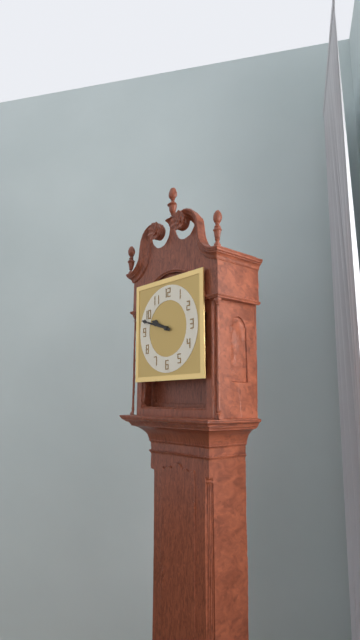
**9:48**
